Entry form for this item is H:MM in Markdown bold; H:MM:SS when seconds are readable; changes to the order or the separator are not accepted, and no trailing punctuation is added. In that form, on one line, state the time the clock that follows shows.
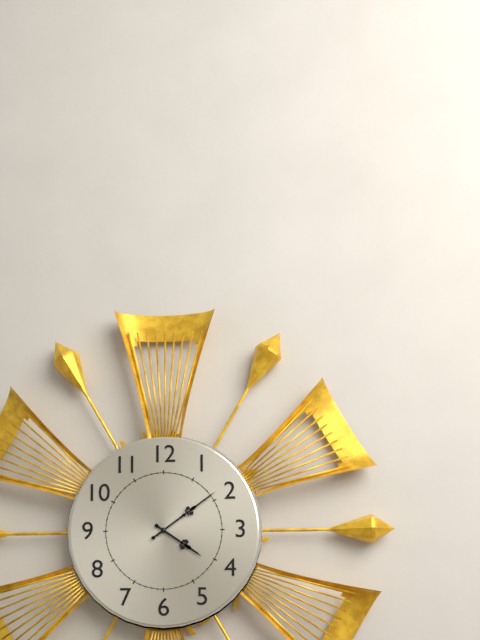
**4:09**
